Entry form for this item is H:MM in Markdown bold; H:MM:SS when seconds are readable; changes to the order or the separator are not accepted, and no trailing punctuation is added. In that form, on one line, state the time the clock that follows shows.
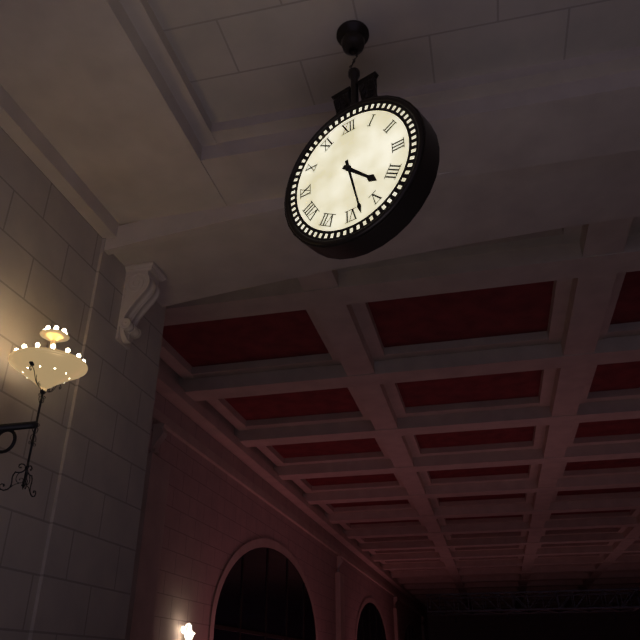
**4:28**
